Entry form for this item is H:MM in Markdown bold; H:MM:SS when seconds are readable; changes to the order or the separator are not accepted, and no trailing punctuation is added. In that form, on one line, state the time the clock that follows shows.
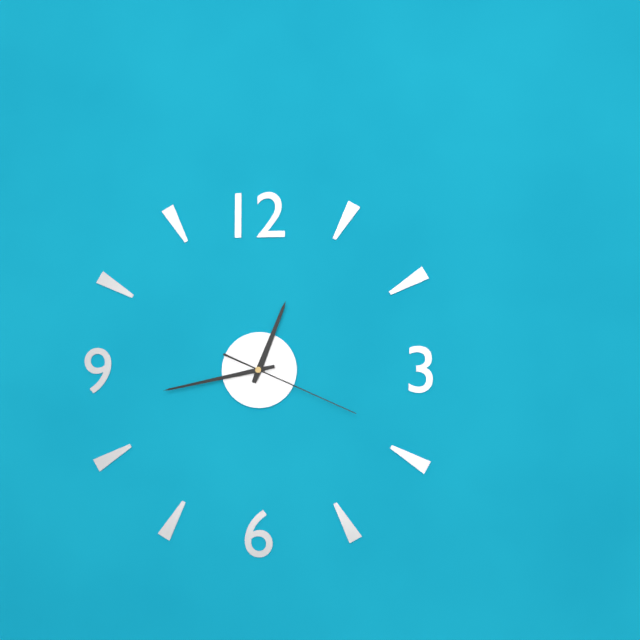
**12:43:19**
